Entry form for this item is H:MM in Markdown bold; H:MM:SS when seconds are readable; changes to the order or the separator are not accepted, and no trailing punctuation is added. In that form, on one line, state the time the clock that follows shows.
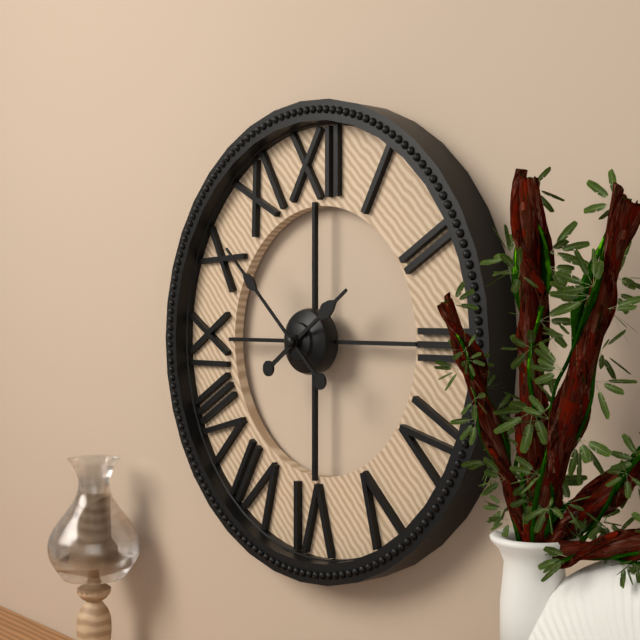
**1:52**
